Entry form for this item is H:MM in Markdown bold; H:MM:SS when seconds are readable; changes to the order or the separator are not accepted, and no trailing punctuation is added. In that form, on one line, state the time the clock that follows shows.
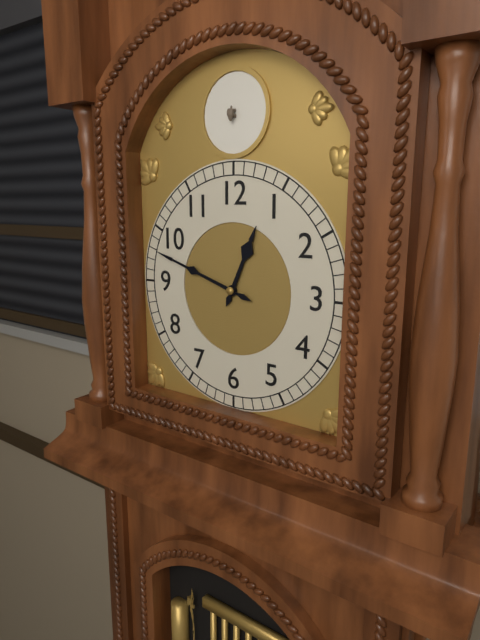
**12:48**
